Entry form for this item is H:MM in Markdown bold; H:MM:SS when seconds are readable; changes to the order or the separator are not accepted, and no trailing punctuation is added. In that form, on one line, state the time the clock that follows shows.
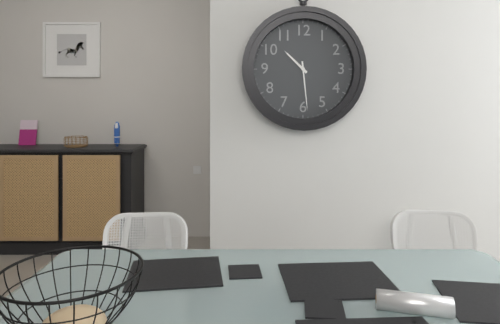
**10:29**
